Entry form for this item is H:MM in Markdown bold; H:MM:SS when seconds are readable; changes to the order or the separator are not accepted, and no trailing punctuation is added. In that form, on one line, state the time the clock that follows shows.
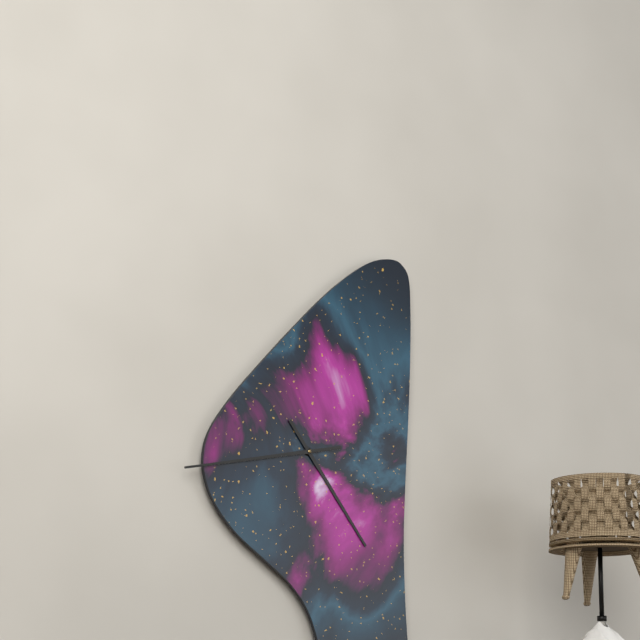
**4:43**
